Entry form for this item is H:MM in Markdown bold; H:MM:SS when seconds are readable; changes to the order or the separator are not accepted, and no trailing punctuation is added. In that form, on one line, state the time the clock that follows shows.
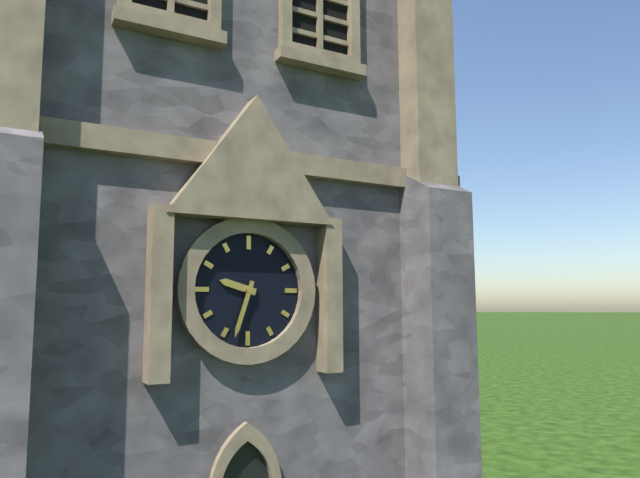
**9:33**
